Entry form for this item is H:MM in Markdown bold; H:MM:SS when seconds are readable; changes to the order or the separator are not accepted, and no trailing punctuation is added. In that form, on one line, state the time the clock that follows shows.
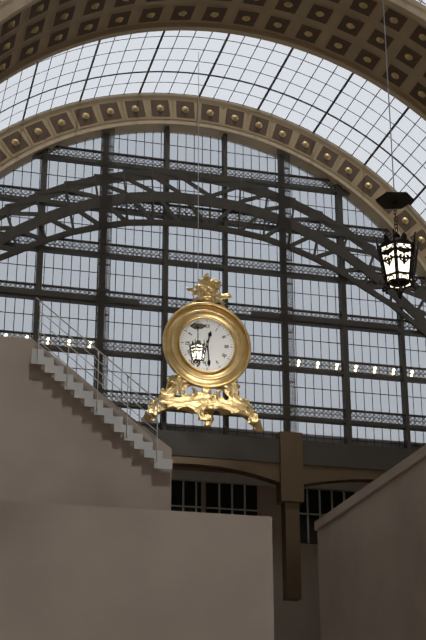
**12:29**
